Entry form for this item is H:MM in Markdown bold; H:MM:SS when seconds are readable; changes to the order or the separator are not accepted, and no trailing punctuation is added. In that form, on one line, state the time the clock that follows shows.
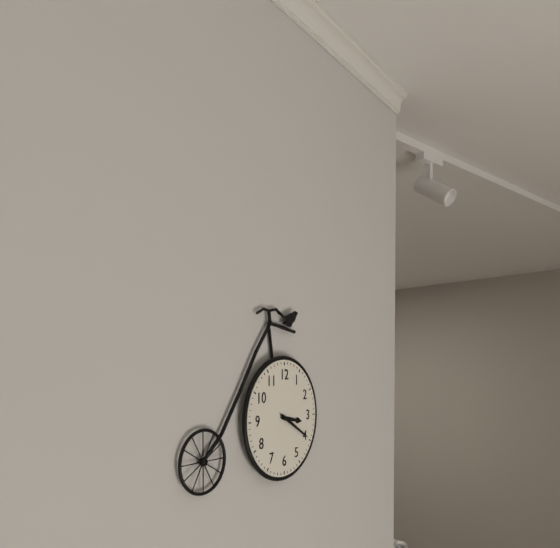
**3:20**
